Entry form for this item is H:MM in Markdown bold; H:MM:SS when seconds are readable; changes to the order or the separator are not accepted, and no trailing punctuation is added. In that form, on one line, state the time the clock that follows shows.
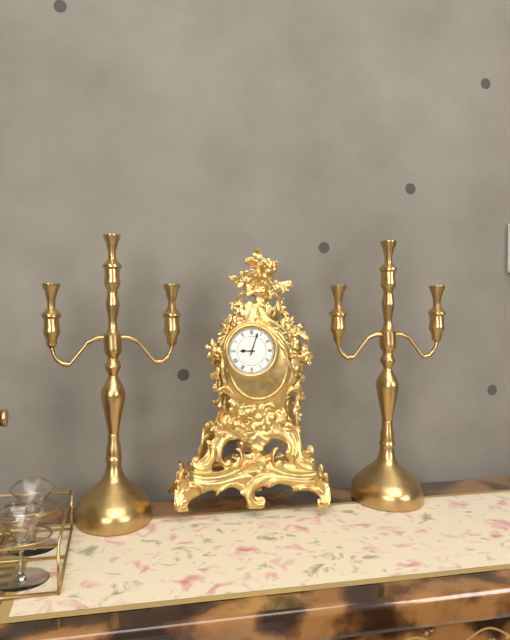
**9:03**
